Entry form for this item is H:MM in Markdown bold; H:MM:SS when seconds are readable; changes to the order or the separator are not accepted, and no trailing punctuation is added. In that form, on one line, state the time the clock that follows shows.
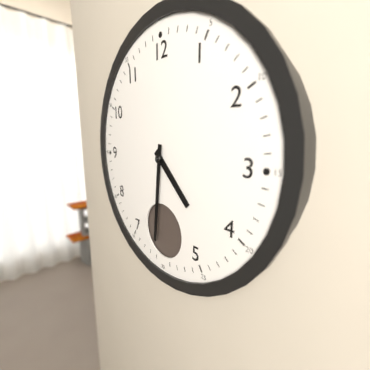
**4:31**
